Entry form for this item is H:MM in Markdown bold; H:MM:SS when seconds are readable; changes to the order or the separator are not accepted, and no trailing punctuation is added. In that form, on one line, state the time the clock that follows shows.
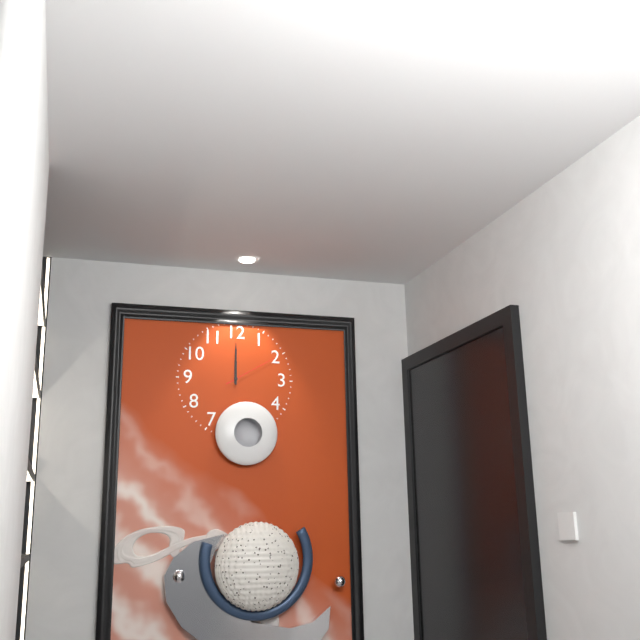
**12:00:10**
